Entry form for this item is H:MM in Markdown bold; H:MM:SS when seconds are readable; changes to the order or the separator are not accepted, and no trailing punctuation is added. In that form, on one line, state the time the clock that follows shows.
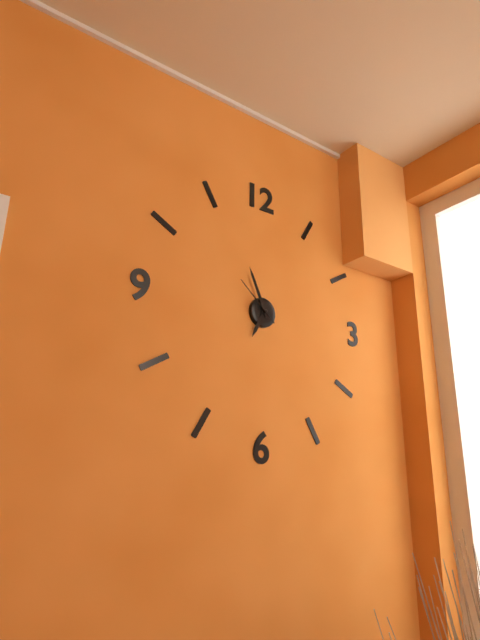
**6:56:52**
